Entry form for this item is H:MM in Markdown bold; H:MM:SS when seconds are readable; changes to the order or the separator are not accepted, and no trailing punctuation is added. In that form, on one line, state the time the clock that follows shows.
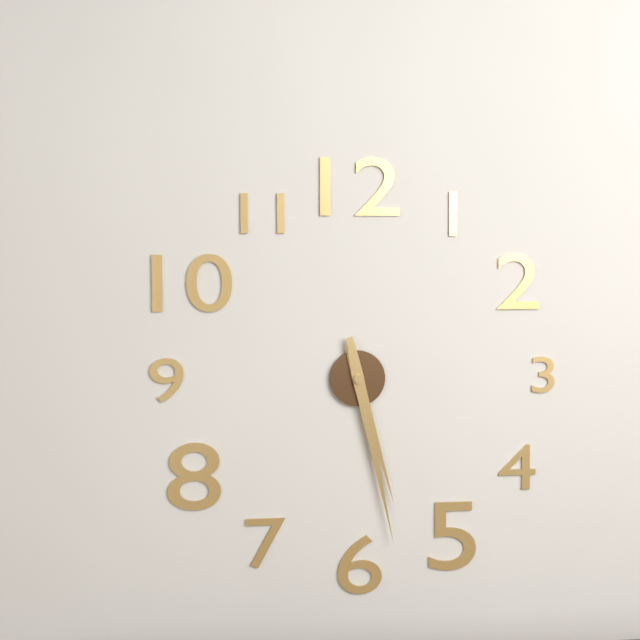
**5:28**
